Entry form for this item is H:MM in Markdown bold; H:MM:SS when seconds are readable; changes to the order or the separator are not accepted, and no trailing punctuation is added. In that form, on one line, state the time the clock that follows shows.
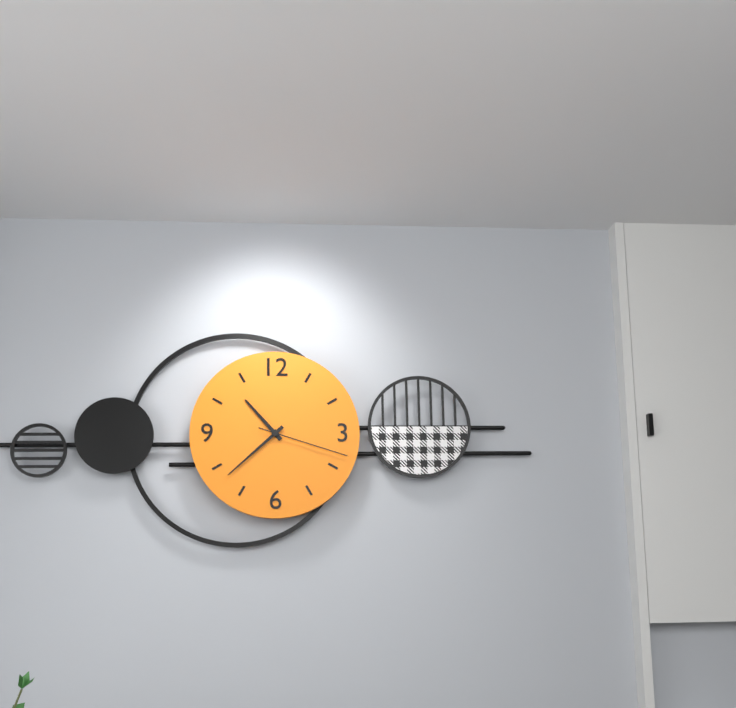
**10:38:18**
